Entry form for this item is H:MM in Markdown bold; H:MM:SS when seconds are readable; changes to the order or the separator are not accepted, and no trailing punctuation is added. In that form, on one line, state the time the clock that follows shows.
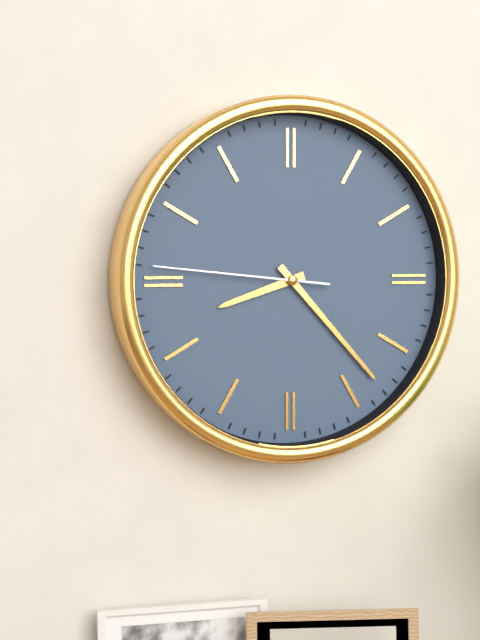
**8:23:46**
